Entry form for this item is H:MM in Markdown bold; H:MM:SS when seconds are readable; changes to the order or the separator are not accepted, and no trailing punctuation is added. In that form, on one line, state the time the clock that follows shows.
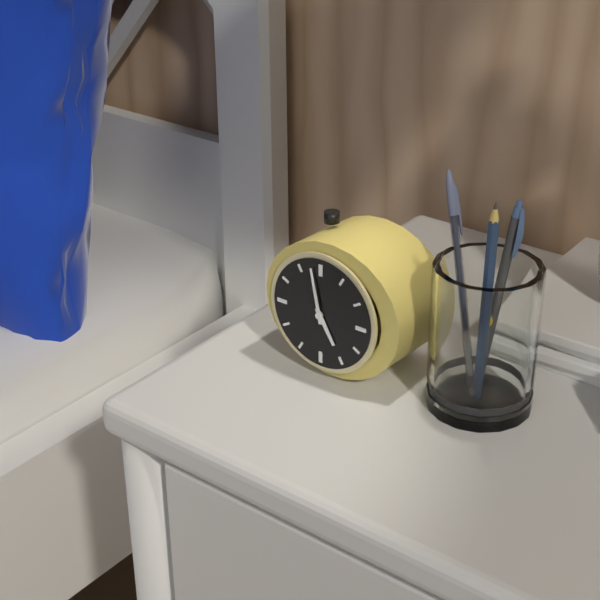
**4:58**
